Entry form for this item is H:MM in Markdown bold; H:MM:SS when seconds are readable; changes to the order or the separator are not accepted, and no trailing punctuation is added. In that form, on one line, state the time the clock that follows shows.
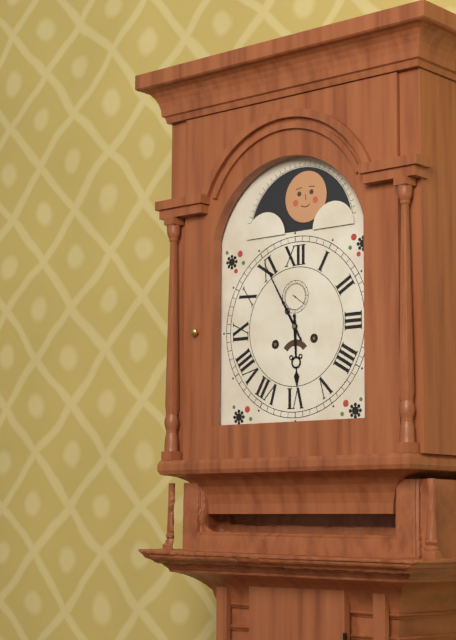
**5:55**
